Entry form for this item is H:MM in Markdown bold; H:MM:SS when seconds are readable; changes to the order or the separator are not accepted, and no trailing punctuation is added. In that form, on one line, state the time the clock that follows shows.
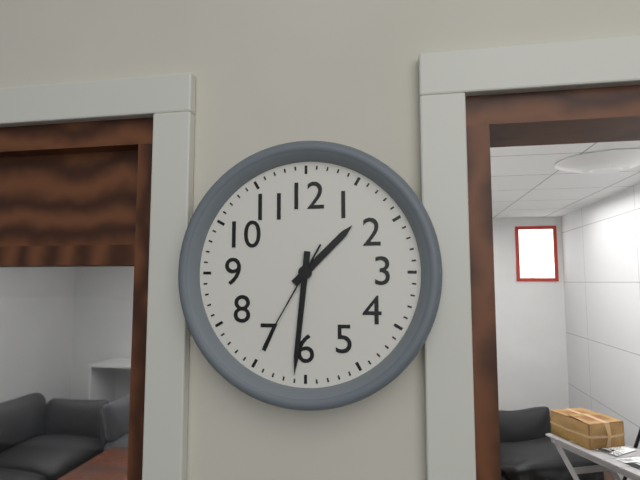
**1:31:35**
